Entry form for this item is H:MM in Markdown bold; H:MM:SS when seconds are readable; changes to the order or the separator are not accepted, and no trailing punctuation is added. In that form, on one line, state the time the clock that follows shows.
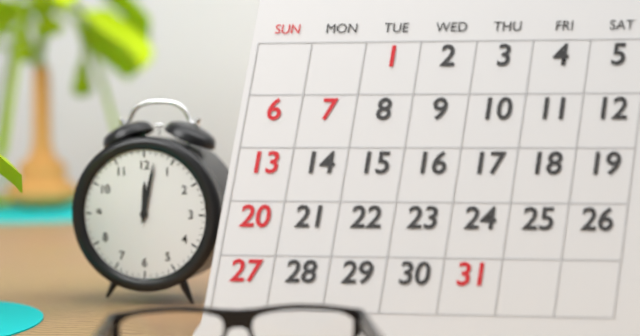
**12:02**
